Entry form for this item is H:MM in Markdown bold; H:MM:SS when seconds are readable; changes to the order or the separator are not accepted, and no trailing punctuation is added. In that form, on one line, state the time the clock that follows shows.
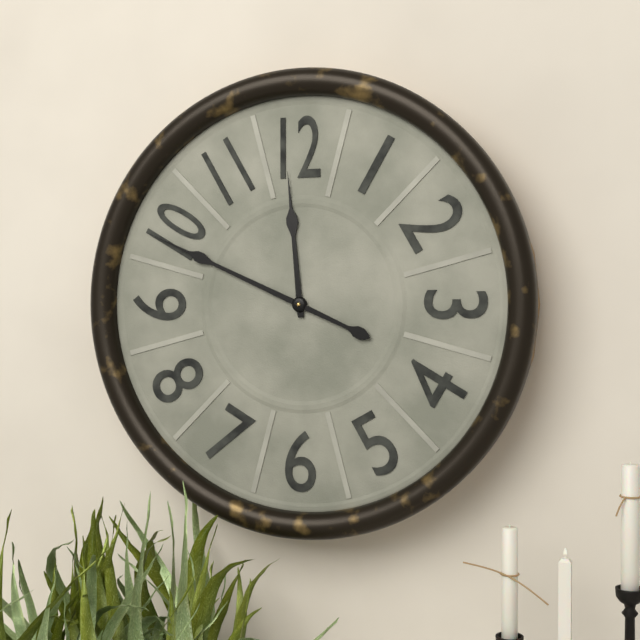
**11:49**
